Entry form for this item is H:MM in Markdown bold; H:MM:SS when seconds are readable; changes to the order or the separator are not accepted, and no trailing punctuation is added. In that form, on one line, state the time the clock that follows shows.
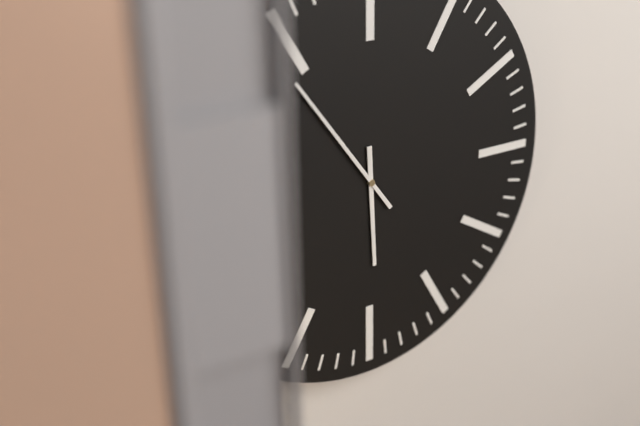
**5:54**
